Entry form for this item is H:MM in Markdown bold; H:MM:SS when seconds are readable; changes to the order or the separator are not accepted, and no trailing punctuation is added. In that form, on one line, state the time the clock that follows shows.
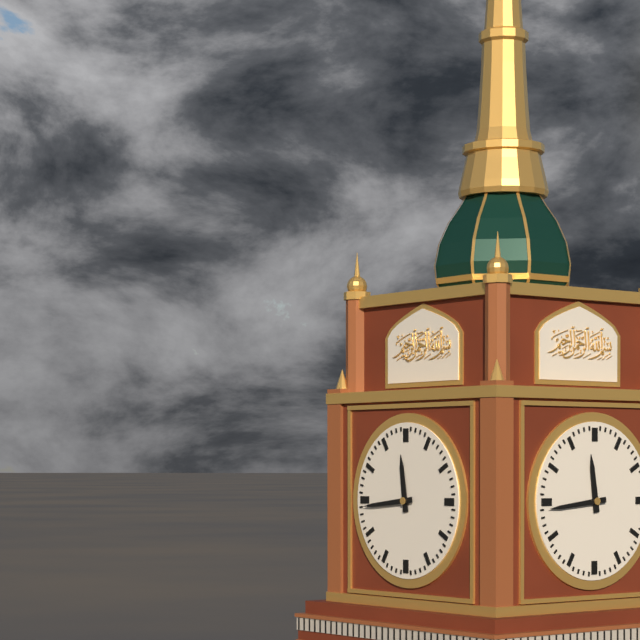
**11:44**
